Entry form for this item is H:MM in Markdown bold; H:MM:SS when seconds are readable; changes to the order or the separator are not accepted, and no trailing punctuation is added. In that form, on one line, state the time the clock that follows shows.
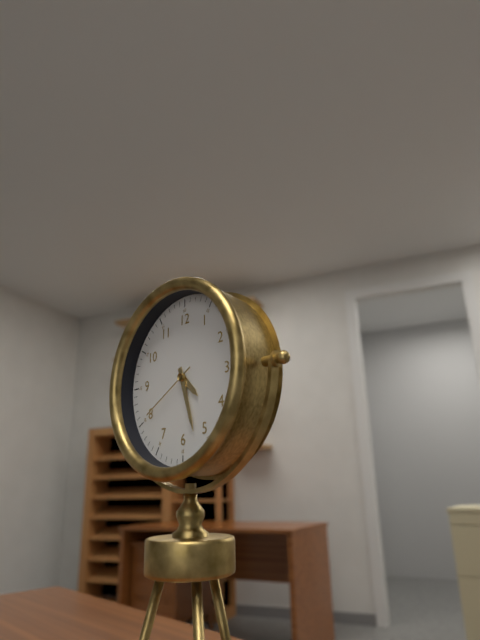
**4:27:40**
